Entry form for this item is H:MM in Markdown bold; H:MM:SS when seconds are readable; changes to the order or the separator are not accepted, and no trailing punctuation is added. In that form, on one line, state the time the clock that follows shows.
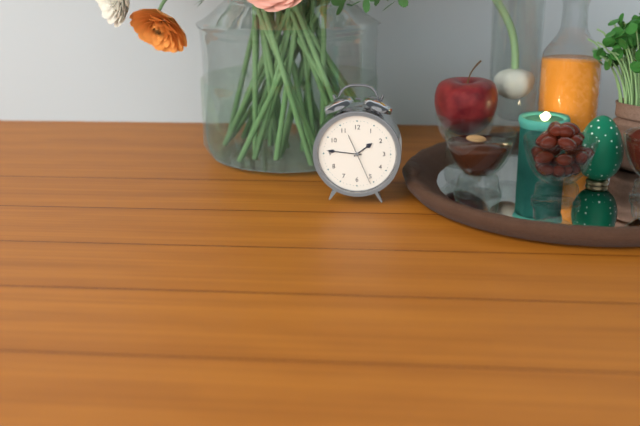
**1:46**
